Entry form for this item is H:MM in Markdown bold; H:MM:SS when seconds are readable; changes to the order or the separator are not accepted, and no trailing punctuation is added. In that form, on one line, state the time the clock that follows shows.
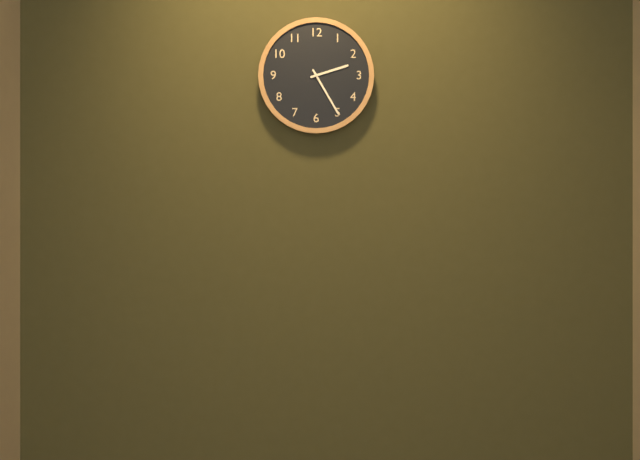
**2:25**
